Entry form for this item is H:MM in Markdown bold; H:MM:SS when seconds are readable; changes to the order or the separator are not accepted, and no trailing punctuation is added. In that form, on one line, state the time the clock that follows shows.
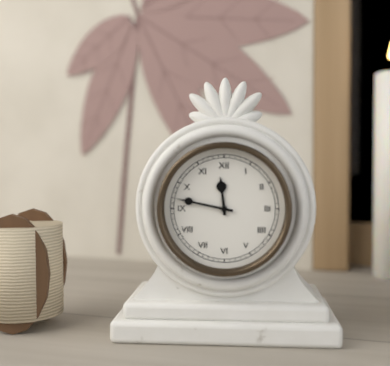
**11:47**
